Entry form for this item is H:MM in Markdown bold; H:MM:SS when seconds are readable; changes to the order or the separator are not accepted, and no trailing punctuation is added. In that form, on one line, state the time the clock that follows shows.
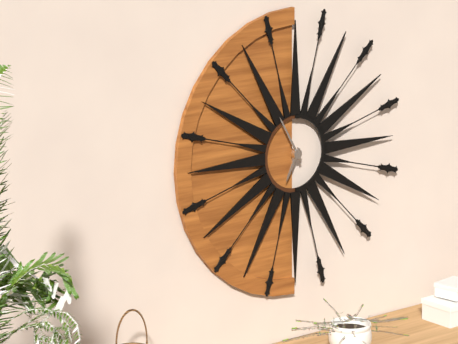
**6:55**
